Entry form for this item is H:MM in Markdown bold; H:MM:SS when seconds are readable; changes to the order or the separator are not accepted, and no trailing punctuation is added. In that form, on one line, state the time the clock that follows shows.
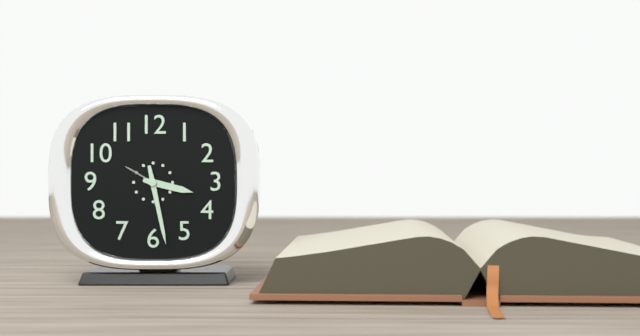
**3:28**
